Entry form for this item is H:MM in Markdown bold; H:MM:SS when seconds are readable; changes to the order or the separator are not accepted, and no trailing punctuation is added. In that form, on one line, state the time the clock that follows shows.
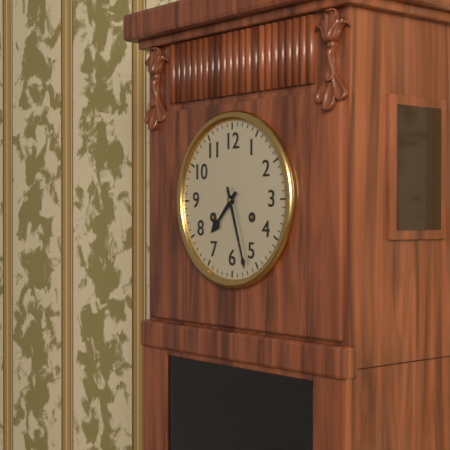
**7:27**
